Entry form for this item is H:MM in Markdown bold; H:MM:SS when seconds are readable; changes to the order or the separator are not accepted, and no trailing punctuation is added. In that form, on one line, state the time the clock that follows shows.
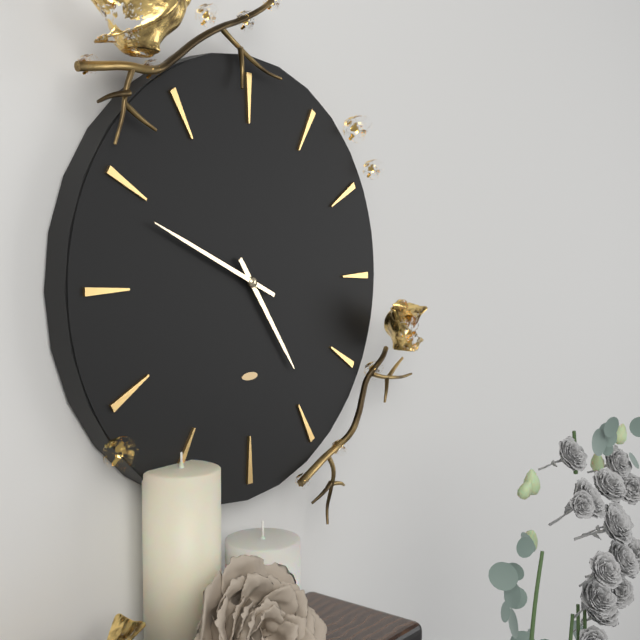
**4:49**
